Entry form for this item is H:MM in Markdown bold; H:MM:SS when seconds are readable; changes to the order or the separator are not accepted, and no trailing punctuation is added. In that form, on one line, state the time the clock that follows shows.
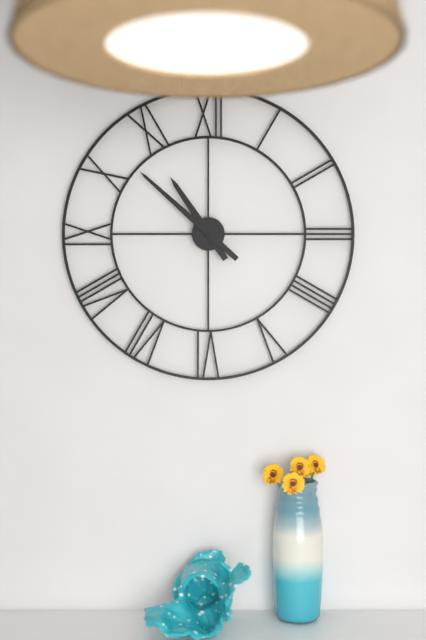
**10:52**
